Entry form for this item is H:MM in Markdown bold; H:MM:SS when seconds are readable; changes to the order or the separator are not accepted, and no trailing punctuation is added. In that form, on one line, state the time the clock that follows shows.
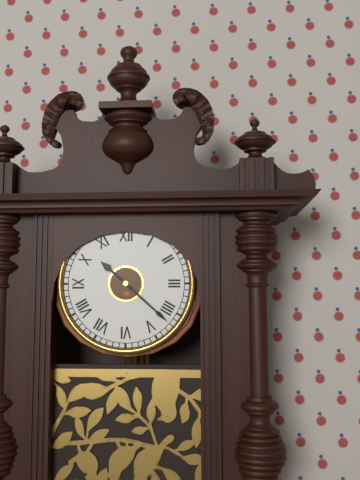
**10:22**
